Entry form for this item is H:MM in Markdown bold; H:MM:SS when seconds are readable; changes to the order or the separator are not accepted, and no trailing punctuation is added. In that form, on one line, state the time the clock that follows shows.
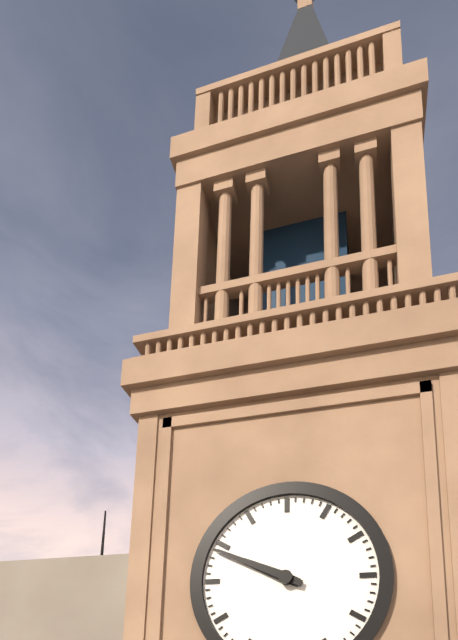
**9:49**
